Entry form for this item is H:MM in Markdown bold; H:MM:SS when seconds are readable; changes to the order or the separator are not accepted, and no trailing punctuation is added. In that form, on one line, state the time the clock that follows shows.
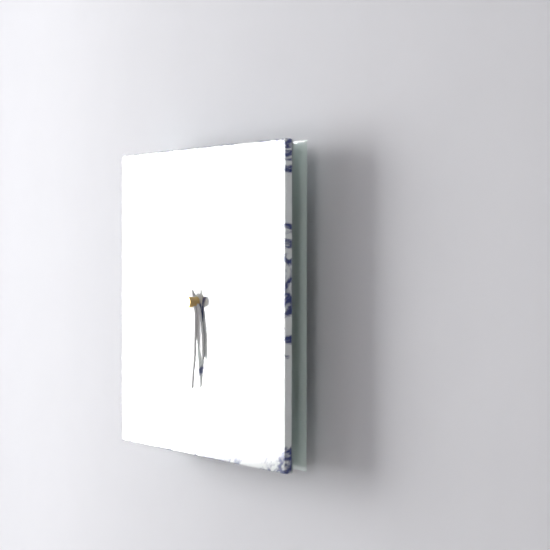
**5:30**
